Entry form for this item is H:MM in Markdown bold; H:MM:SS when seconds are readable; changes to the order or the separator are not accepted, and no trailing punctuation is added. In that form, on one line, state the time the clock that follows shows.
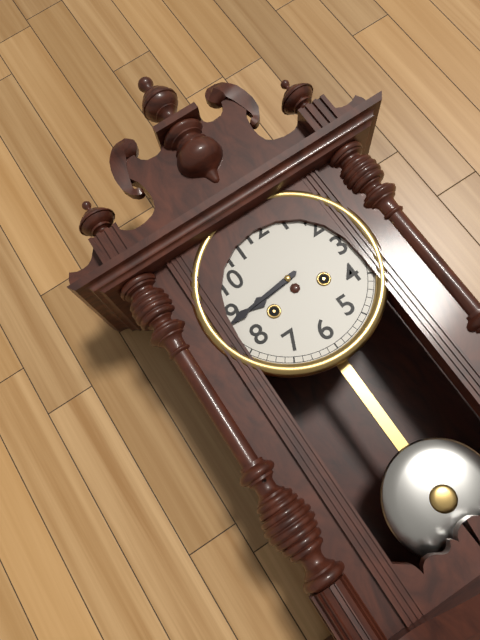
**8:44**
